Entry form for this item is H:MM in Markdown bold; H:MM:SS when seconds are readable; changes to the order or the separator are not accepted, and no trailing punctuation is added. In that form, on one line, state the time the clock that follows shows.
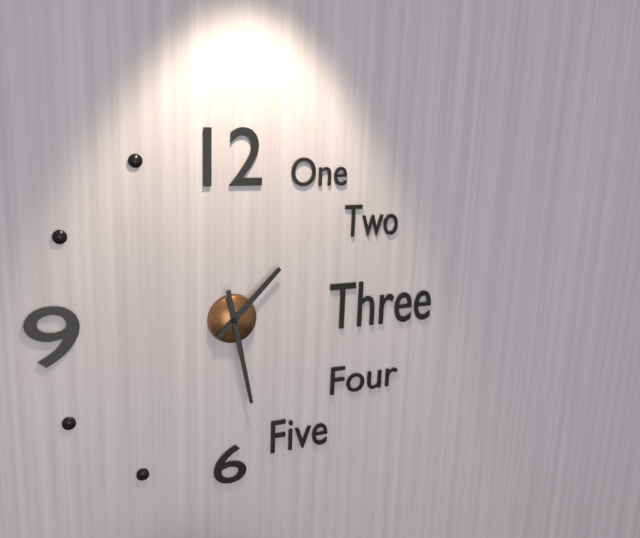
**1:28**
